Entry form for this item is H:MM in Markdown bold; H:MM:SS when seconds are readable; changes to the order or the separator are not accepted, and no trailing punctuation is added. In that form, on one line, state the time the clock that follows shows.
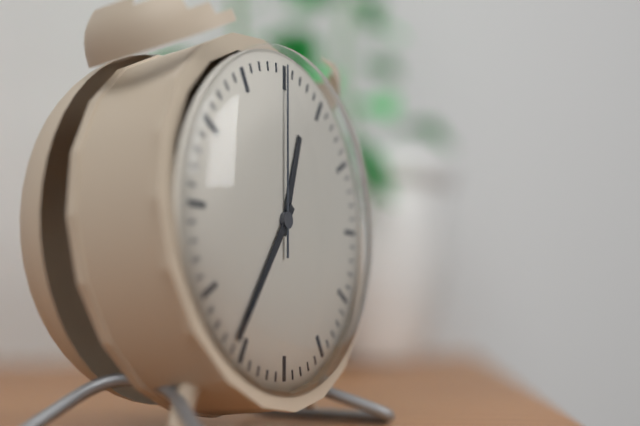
**12:36:00**
